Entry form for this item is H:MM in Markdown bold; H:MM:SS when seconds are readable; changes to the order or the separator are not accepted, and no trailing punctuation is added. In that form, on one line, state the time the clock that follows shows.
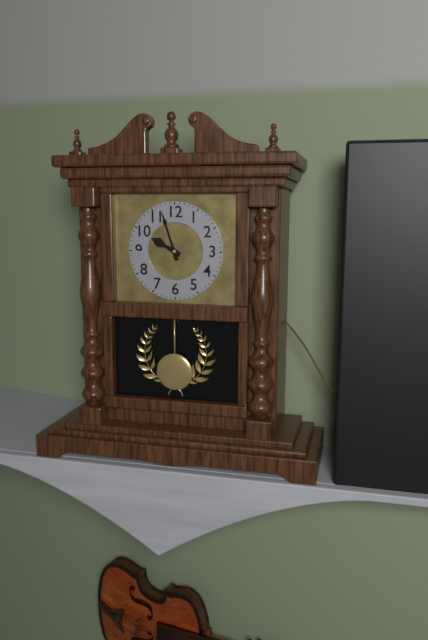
**9:57**
